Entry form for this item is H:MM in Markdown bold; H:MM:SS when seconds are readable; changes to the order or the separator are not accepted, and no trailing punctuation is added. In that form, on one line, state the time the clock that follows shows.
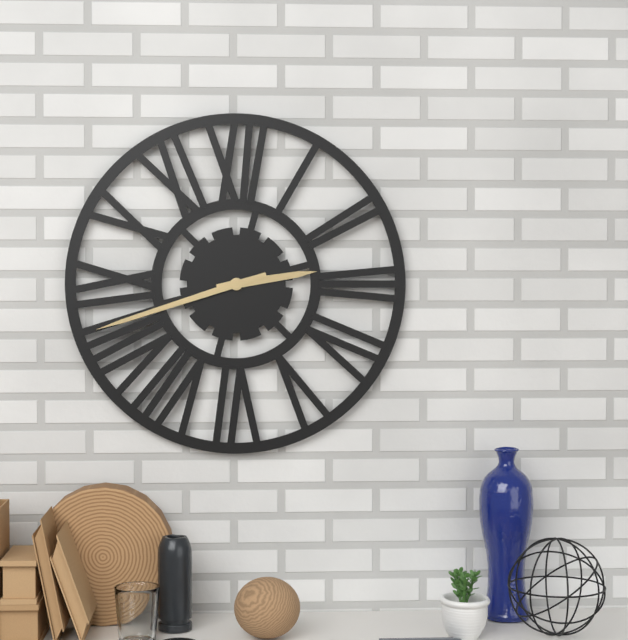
**2:42**
